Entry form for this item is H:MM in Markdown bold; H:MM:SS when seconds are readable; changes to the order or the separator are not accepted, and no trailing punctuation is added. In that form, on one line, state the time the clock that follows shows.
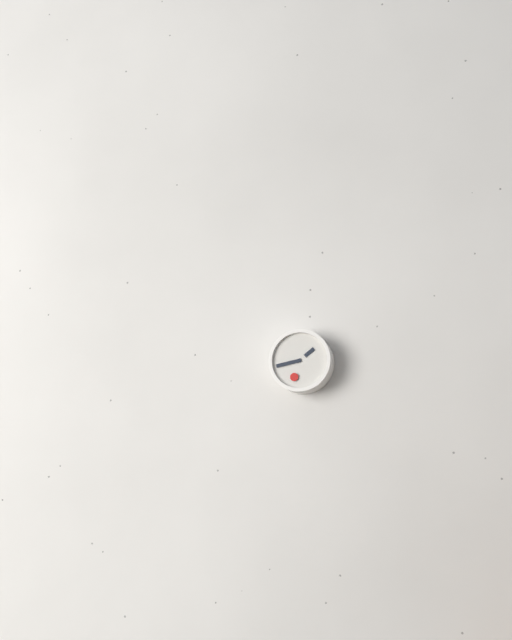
**1:43**
